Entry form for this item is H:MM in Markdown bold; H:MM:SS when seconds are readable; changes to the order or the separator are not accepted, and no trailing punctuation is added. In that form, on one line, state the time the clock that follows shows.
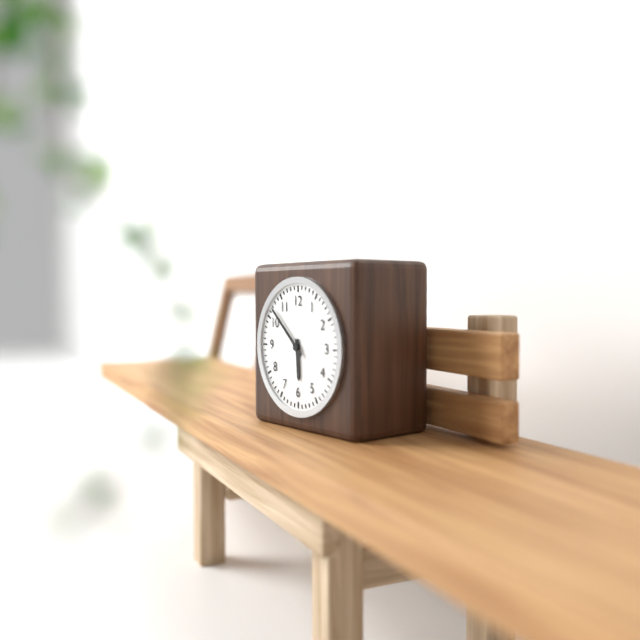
**5:52**
